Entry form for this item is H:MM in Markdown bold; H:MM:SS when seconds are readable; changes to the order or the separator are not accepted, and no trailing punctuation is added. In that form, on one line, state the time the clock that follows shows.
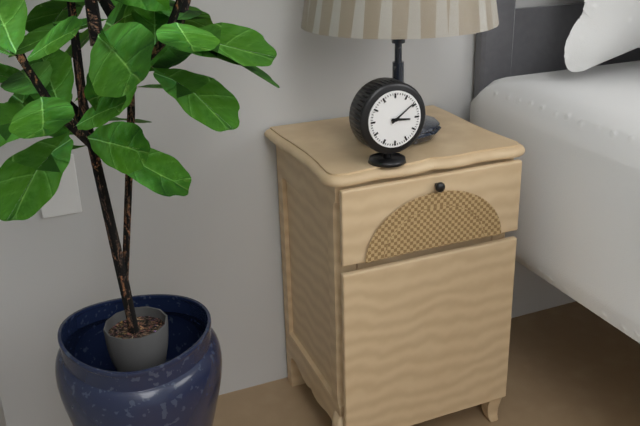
**3:09**
